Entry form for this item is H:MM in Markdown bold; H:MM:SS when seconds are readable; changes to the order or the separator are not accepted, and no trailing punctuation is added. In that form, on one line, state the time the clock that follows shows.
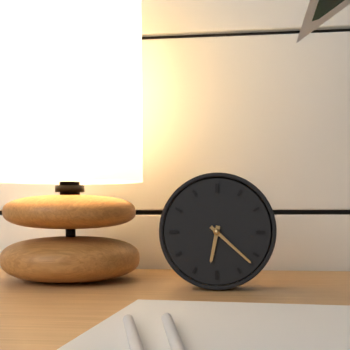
**6:22**
